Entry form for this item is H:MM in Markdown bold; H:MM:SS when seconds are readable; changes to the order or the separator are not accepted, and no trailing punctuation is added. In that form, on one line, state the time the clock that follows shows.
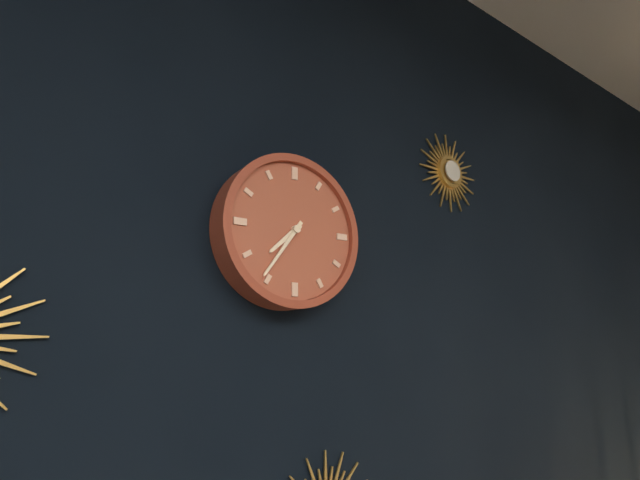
**7:36**
